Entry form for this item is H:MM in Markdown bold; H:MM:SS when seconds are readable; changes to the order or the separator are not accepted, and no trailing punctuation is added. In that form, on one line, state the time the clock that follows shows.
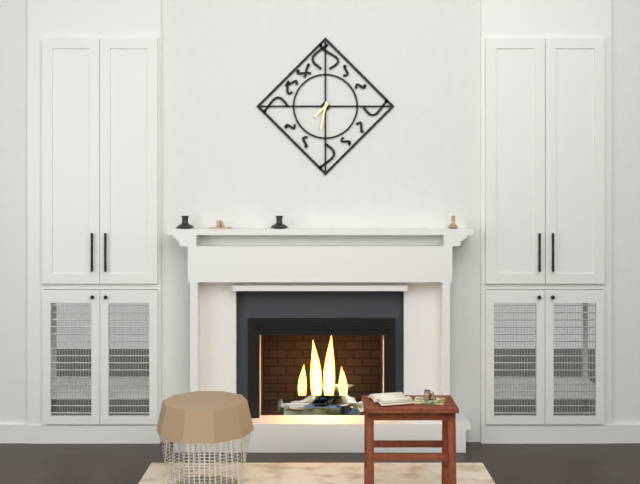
**7:32**
